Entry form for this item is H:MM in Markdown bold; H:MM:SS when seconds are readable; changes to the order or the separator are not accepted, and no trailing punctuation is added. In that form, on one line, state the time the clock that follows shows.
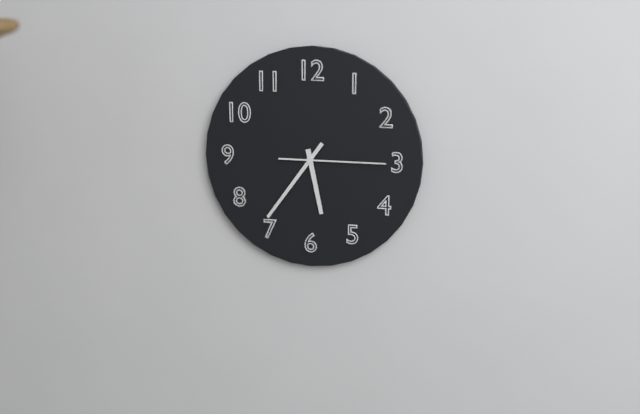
**5:36:15**
